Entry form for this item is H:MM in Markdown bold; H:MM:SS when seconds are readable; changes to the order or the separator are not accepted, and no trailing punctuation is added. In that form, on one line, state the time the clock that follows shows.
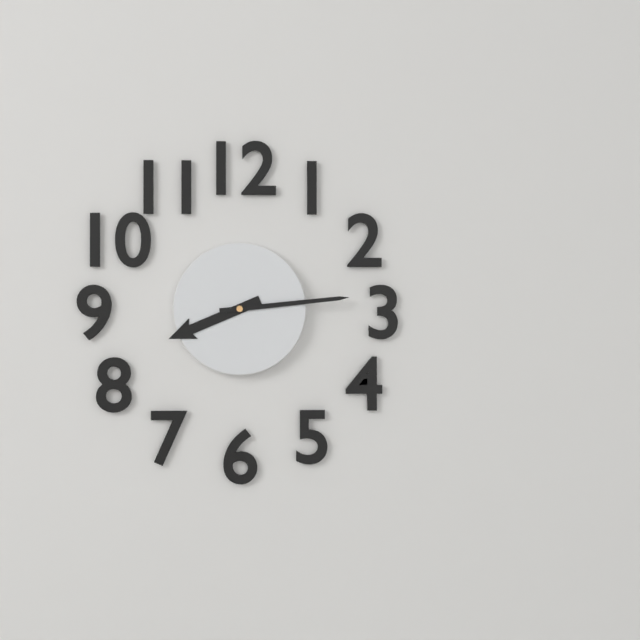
**8:14**
